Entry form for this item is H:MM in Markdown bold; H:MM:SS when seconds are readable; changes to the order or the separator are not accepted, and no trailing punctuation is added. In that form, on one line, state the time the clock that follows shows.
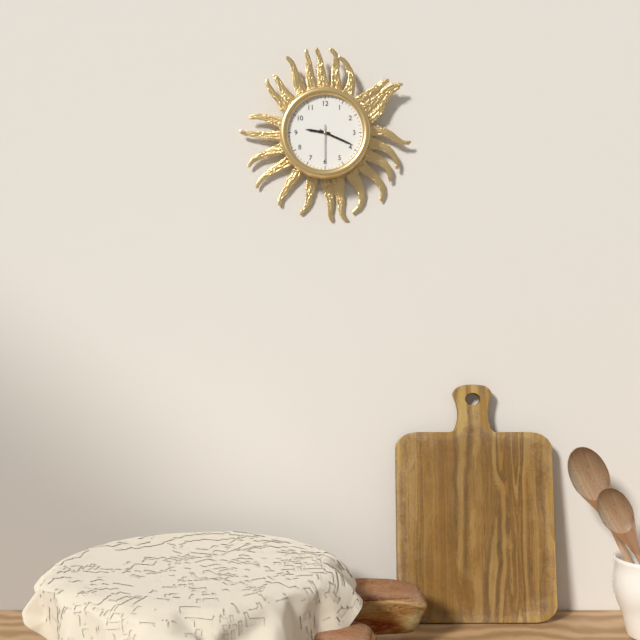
**9:19**
